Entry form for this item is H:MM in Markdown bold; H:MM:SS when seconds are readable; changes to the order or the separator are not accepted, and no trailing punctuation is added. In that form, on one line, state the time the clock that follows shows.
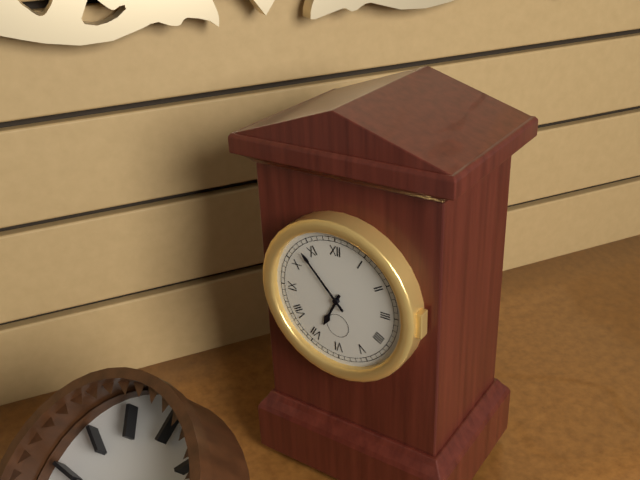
**6:53**
